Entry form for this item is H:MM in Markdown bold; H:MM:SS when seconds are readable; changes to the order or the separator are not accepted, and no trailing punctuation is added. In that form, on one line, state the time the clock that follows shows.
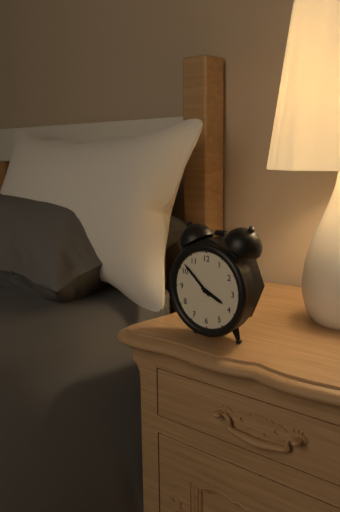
**3:52**
